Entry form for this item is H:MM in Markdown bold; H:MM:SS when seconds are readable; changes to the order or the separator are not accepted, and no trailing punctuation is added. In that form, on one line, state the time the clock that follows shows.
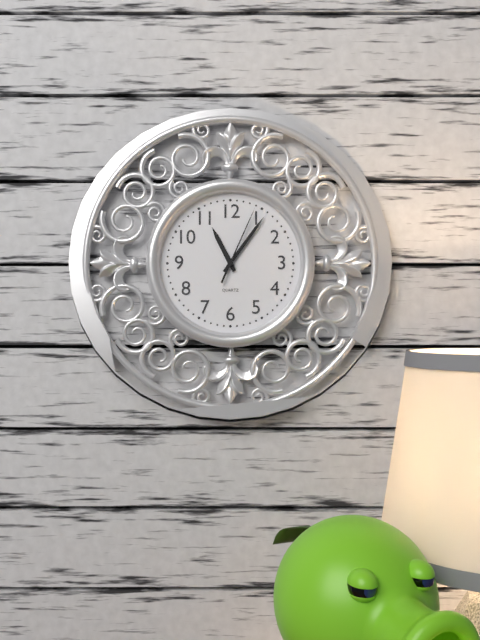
**11:06:04**
